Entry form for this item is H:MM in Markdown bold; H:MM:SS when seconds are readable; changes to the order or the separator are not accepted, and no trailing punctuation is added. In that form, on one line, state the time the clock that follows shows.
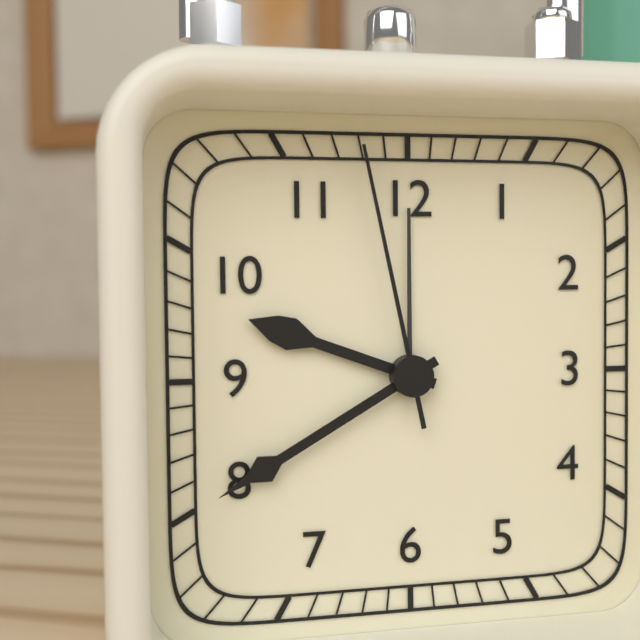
**9:40:58**
